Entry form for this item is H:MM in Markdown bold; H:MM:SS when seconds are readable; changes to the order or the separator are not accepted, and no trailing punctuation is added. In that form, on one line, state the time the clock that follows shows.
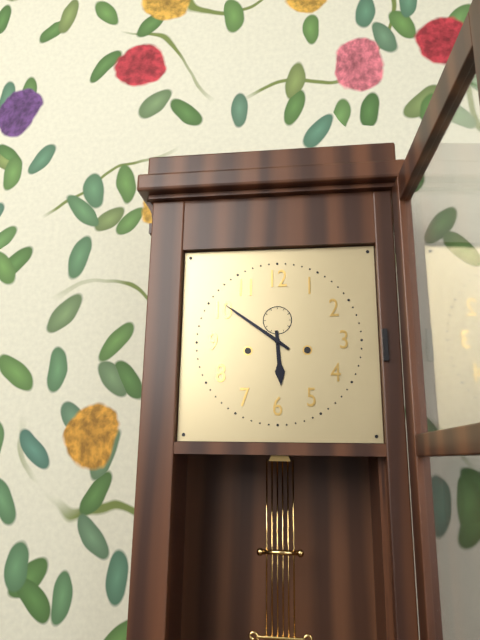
**5:51**
